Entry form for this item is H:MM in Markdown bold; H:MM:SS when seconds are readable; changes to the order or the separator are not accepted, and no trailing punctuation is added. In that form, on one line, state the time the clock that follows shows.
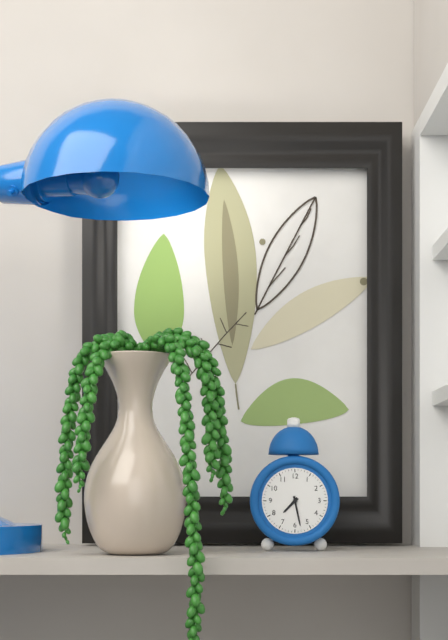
**7:28**
